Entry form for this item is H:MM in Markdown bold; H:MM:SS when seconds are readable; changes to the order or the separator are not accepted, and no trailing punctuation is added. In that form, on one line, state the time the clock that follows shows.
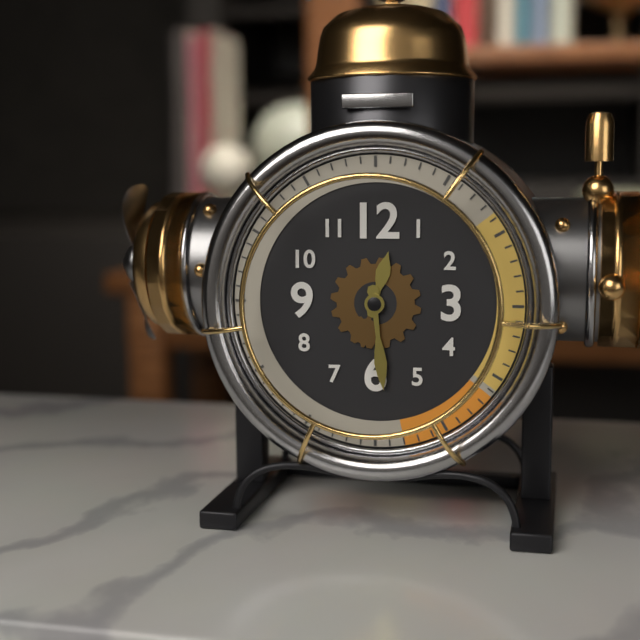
**12:29**
